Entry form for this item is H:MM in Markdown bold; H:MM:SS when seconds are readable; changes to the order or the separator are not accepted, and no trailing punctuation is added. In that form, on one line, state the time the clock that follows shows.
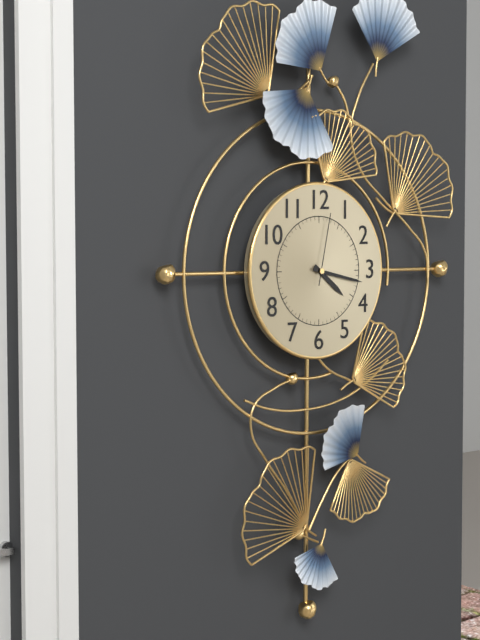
**4:17:02**
